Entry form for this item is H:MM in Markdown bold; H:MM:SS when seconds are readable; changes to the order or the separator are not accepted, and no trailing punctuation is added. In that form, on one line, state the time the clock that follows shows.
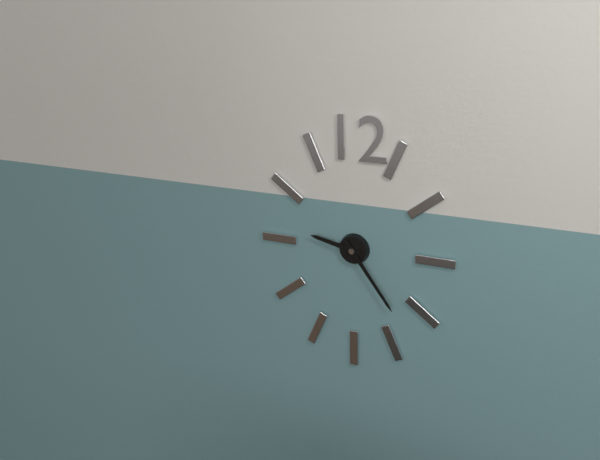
**9:24**
